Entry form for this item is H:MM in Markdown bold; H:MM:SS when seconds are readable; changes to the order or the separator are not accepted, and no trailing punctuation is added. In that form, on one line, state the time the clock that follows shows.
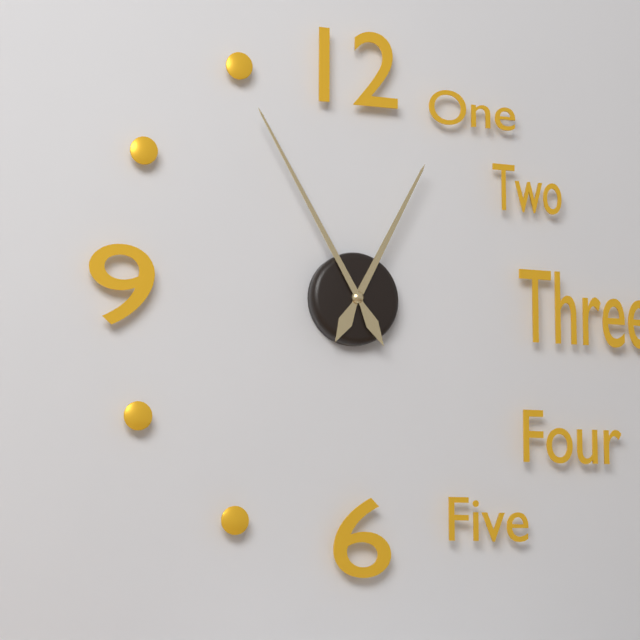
**12:55**
